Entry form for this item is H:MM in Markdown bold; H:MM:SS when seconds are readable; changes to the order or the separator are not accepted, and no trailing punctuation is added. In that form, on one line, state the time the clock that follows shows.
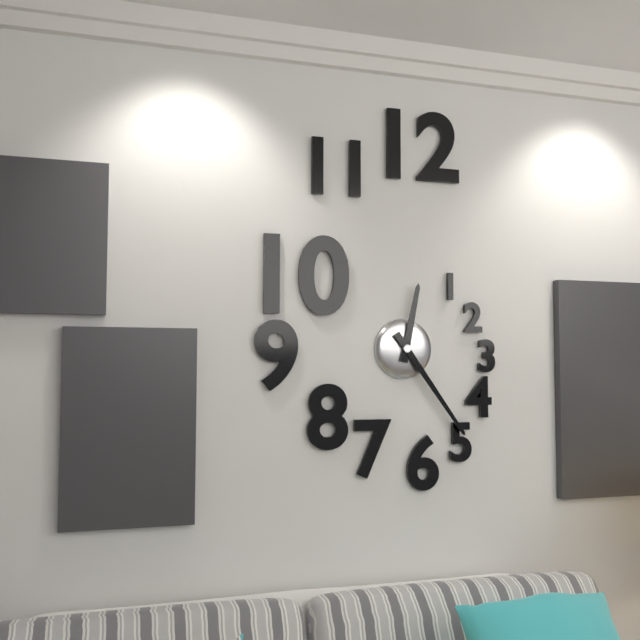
**12:24**
